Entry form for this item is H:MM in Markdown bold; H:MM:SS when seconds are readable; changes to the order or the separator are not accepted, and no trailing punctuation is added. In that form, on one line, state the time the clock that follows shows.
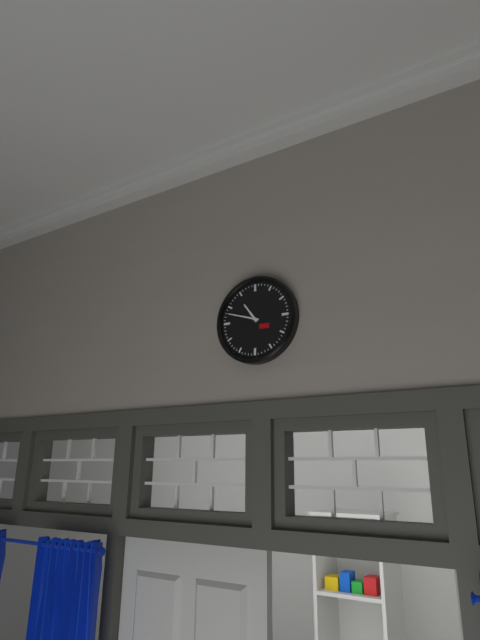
**10:48**
